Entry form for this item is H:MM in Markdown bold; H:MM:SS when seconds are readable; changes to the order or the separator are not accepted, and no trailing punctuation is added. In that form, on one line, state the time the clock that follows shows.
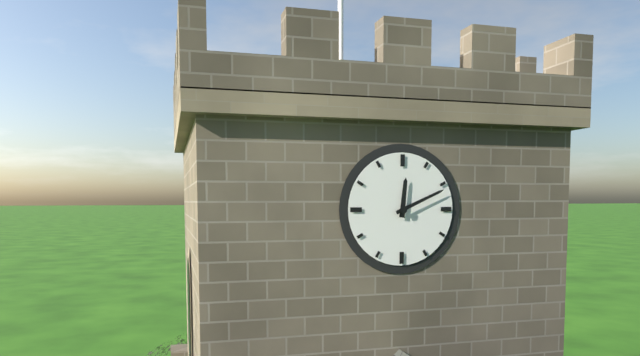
**12:11**
